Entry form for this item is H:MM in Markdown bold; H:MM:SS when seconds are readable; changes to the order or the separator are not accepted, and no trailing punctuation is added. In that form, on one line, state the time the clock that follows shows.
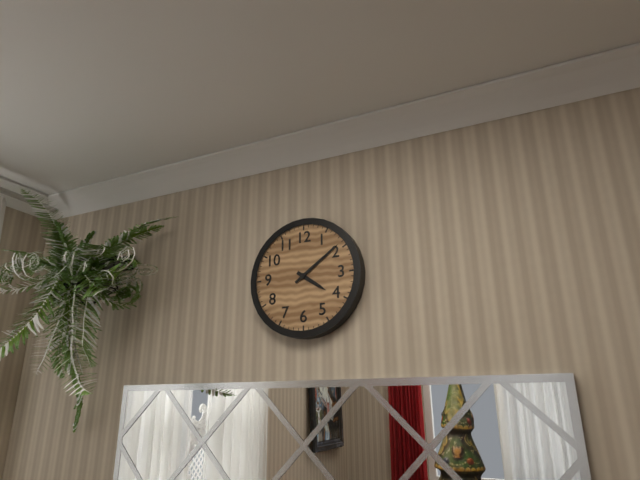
**4:09**
